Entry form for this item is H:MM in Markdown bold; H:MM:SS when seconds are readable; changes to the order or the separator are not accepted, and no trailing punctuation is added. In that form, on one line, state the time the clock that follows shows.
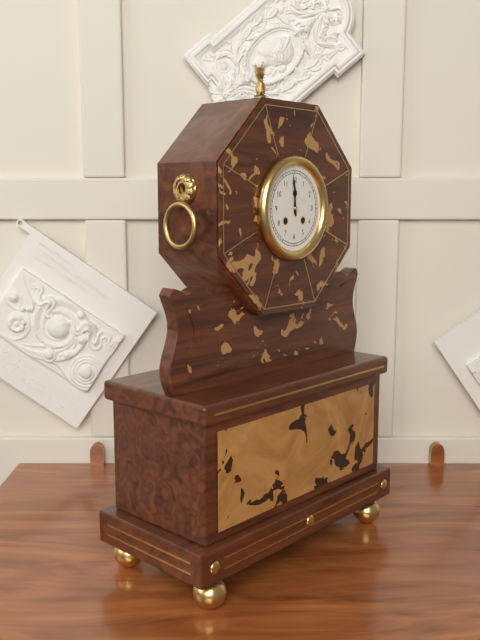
**11:59**
